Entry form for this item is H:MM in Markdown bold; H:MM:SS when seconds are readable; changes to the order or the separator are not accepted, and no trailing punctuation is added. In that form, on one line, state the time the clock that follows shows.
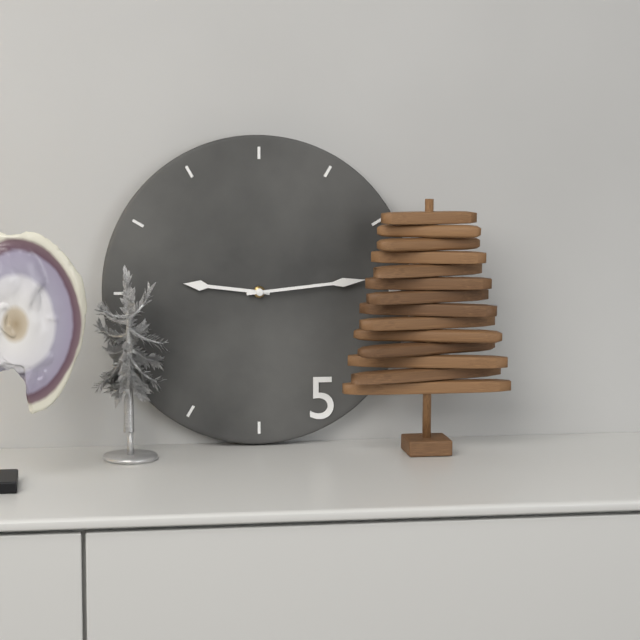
**9:14**
